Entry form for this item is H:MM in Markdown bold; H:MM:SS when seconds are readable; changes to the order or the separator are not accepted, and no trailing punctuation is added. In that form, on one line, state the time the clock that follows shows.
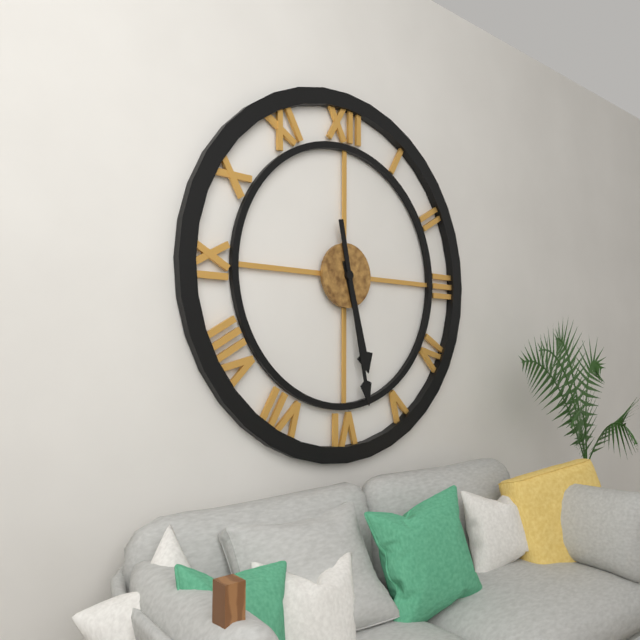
**5:28**
